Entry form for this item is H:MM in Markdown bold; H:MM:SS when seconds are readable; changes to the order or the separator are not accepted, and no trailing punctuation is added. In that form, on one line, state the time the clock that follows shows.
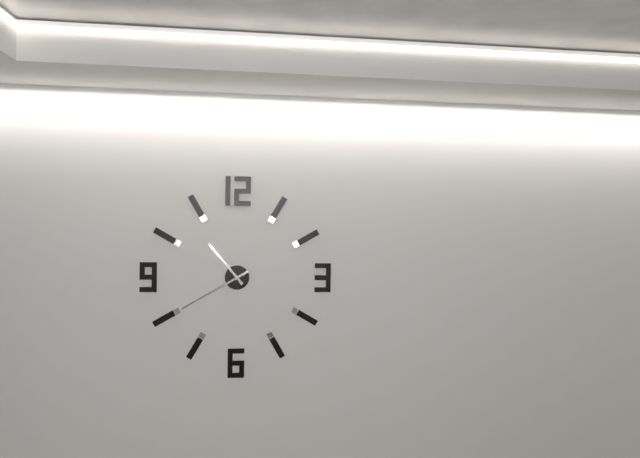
**10:40**
